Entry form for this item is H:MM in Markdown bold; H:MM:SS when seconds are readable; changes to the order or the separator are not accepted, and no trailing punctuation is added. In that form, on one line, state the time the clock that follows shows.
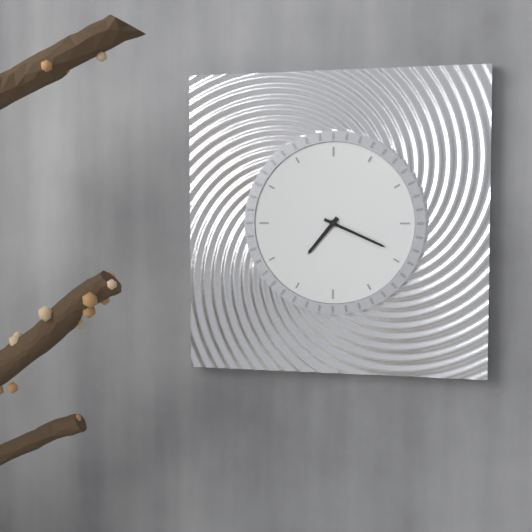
**7:19**
